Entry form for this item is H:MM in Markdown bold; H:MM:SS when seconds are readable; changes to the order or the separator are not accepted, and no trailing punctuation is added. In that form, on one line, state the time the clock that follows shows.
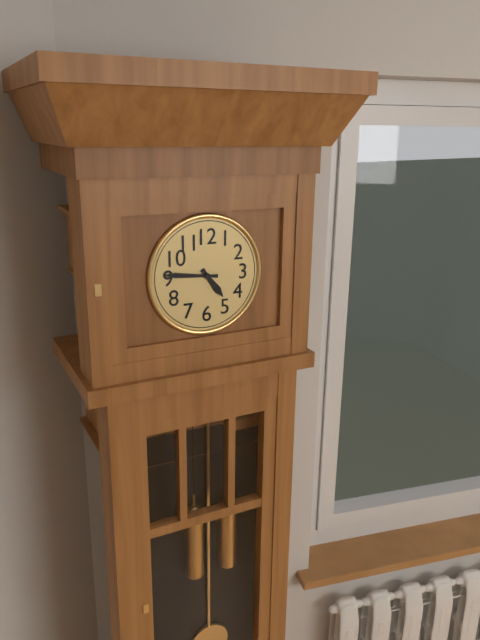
**4:46**
